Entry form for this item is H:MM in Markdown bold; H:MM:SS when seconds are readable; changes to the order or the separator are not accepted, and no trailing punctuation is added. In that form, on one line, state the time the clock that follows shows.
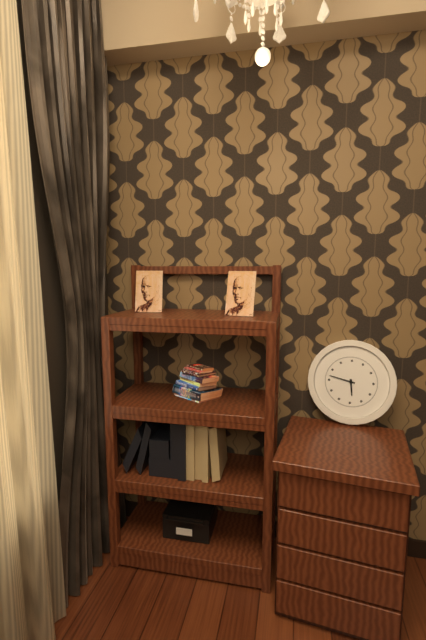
**5:47**
